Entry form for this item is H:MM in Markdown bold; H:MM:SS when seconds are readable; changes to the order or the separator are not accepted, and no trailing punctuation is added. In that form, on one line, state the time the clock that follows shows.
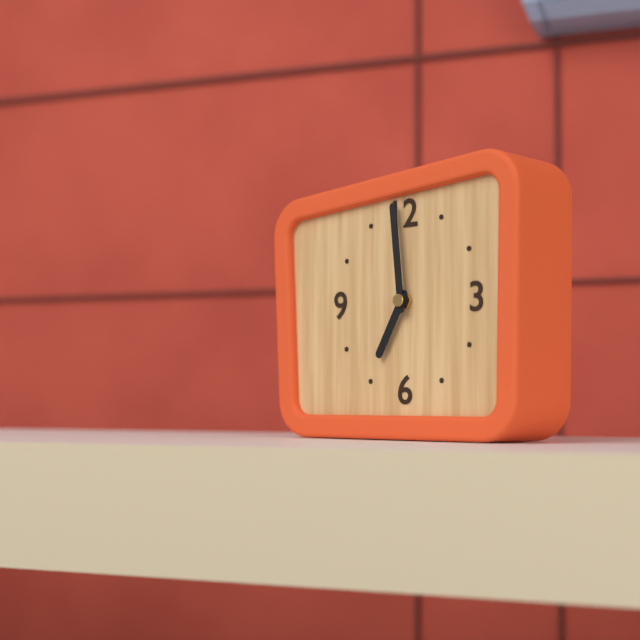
**6:59**
